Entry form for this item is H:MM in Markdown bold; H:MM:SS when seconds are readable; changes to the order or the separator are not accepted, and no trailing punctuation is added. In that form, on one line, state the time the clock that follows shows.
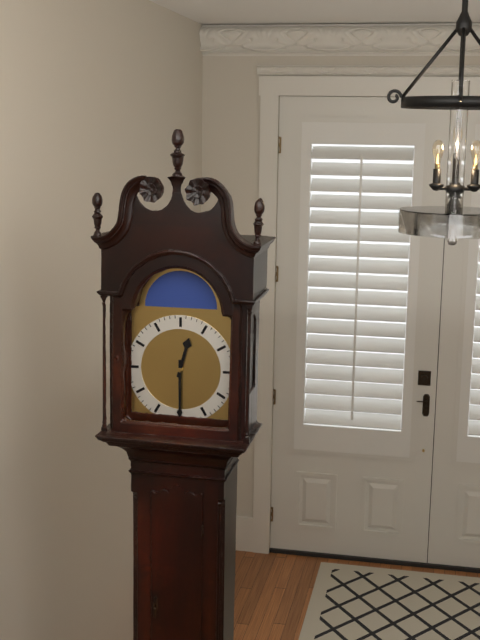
**12:30**
